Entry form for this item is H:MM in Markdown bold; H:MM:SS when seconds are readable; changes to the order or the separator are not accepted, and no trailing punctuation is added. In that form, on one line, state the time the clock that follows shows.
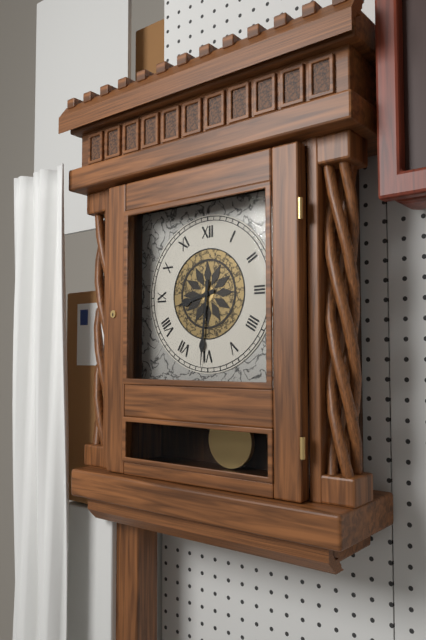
**8:31**
